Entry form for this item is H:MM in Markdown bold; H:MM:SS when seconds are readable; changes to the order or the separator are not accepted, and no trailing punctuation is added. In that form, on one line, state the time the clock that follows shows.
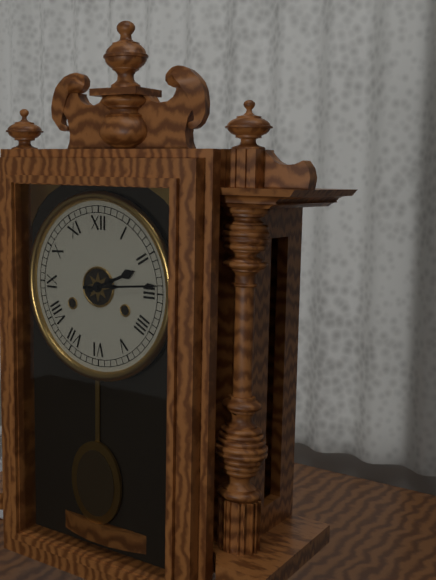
**2:14**
